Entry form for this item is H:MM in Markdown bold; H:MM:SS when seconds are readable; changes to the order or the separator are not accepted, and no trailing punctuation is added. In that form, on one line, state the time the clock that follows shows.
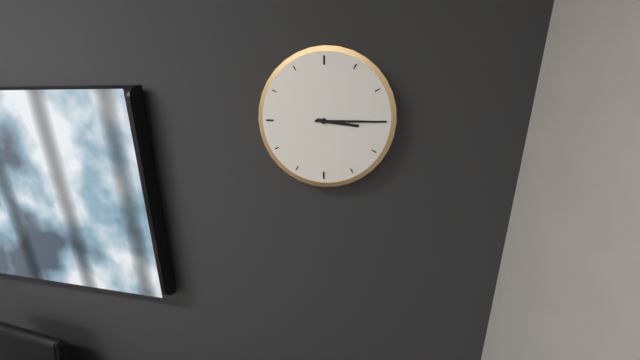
**3:15**
